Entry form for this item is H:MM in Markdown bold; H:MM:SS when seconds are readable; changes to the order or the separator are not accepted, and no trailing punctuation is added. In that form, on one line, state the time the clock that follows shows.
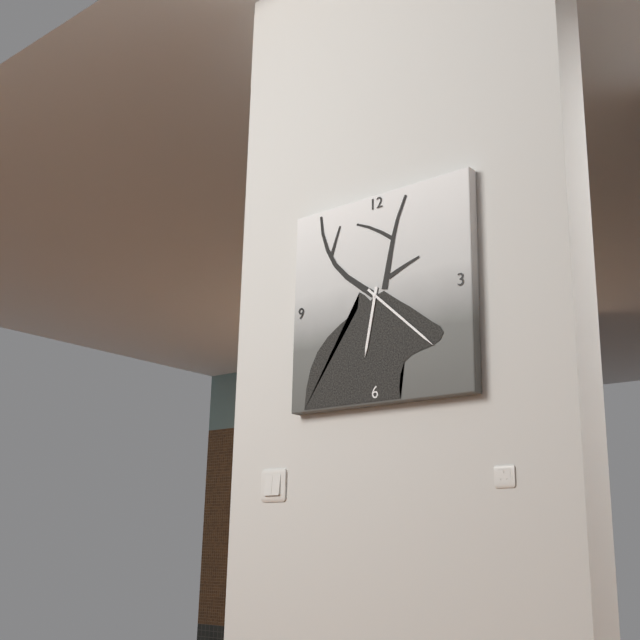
**6:22**
